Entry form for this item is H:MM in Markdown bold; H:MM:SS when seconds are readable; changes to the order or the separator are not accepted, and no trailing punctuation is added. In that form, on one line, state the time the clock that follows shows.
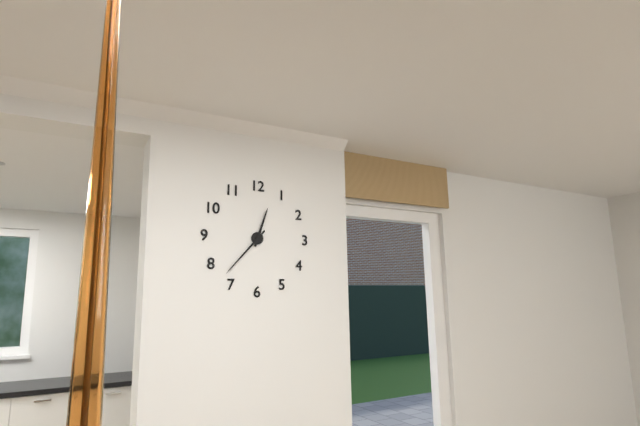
**12:37**
